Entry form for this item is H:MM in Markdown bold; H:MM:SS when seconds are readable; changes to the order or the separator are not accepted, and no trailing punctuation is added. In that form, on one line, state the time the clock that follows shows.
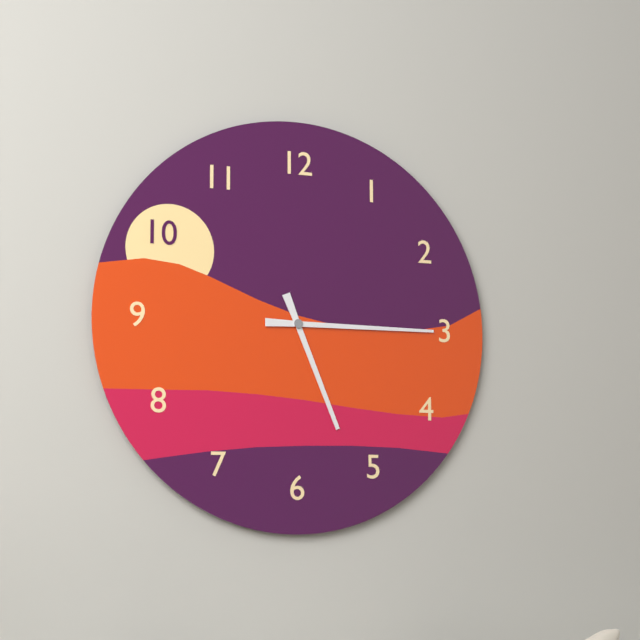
**5:15**
